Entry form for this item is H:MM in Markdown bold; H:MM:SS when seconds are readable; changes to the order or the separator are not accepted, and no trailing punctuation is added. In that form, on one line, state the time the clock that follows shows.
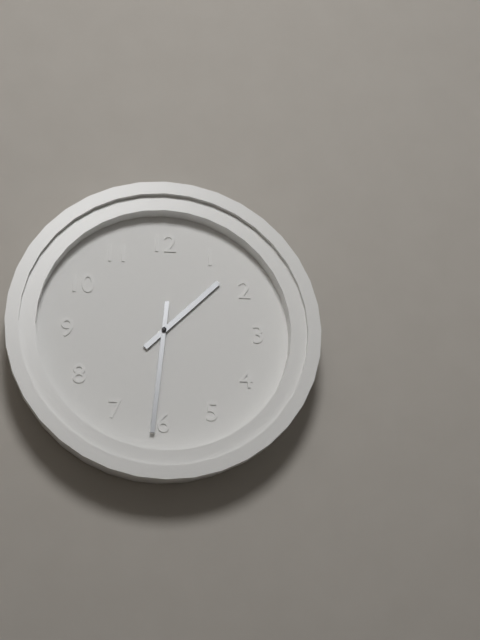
**1:31**
